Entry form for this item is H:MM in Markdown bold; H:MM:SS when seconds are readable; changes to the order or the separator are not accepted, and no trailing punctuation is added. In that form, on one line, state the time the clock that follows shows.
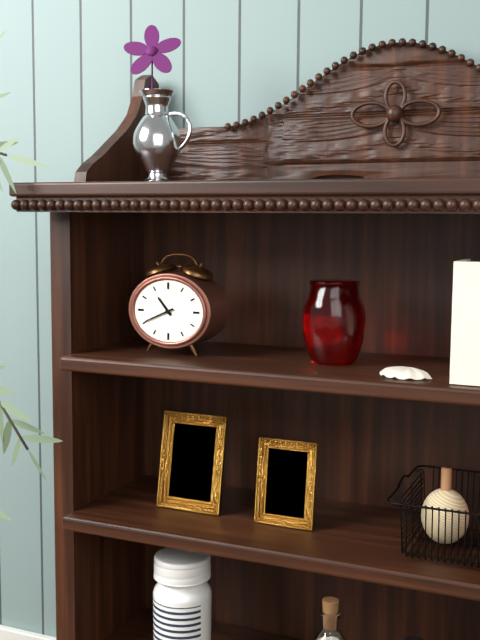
**10:41**
